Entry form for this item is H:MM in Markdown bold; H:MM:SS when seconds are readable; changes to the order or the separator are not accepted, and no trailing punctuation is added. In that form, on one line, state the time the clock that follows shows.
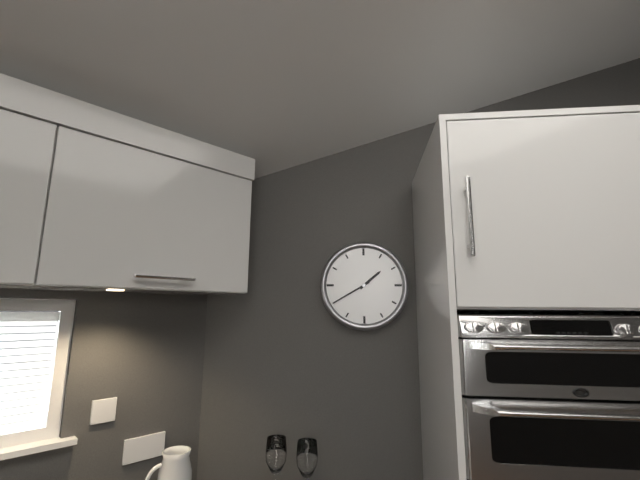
**1:40**
